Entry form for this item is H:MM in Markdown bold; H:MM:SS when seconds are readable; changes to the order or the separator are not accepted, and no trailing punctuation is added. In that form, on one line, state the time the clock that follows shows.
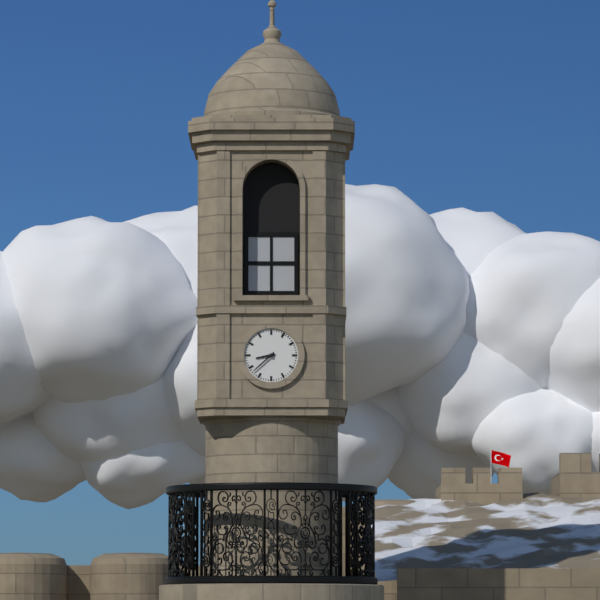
**8:38**
